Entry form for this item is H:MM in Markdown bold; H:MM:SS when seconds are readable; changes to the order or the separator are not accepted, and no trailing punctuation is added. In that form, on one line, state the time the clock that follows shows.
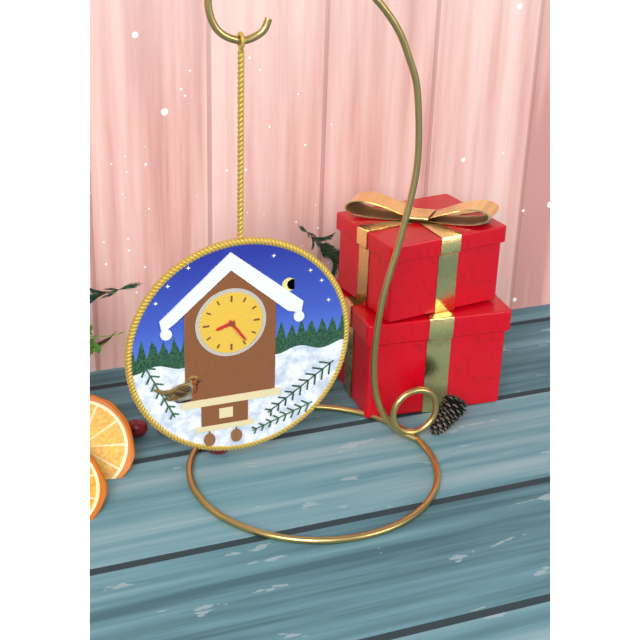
**8:24**
